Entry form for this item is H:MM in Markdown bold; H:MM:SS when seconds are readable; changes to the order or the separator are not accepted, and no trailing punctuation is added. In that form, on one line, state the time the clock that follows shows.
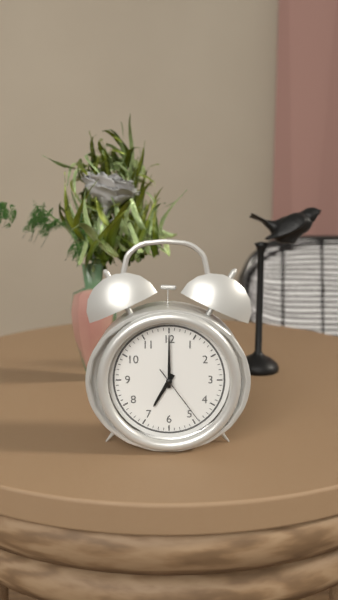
**7:00:24**
